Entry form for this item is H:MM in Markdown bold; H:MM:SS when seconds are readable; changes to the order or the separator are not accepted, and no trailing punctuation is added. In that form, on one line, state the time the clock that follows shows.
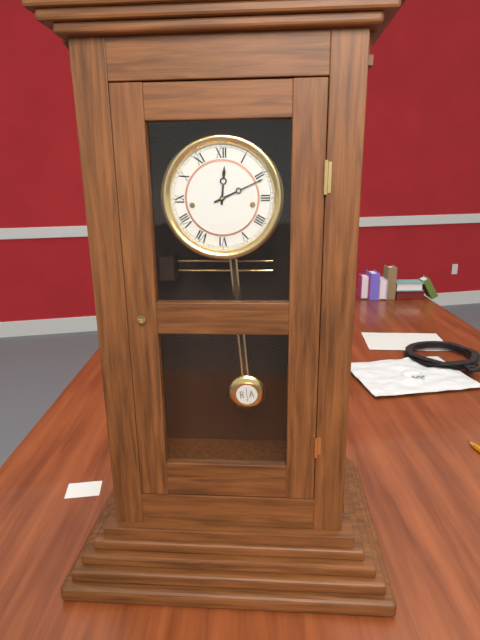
**12:11**
